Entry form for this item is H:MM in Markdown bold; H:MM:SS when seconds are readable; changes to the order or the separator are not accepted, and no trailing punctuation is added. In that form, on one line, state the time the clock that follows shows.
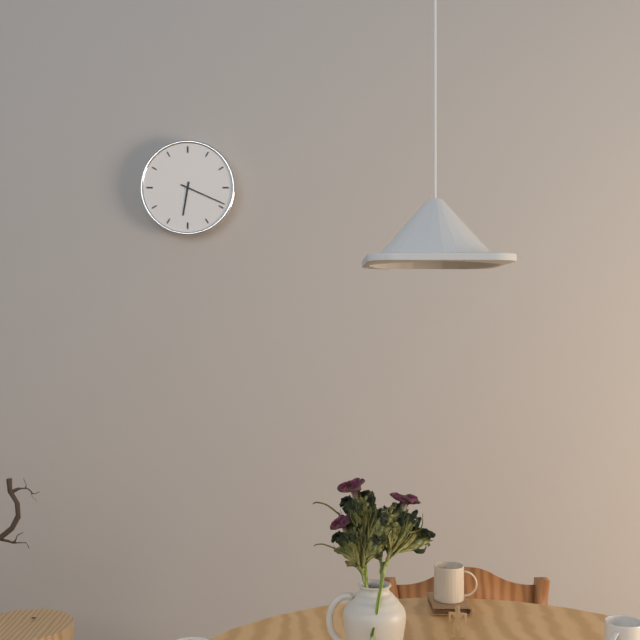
**6:19**
